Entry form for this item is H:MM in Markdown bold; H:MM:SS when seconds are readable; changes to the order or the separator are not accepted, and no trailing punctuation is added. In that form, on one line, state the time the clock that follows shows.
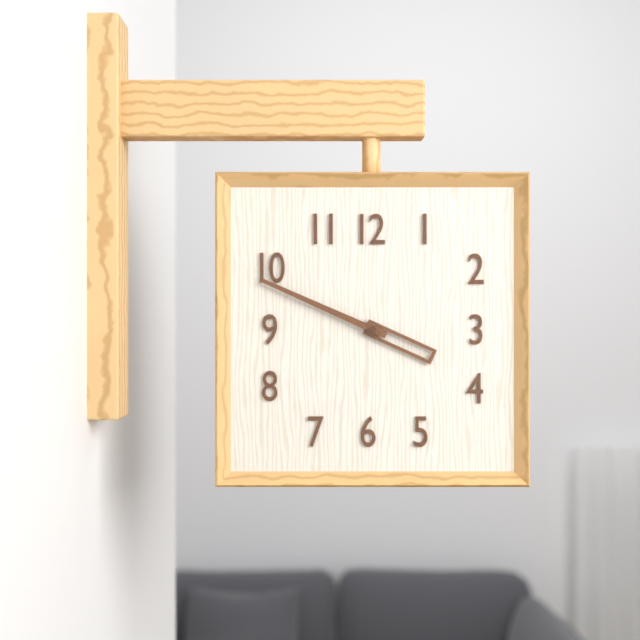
**3:49**
